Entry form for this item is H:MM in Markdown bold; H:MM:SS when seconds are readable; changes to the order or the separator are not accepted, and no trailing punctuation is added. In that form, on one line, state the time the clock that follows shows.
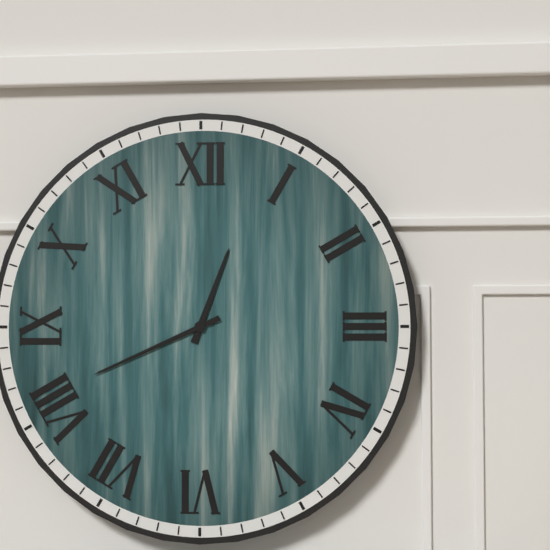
**12:41**
